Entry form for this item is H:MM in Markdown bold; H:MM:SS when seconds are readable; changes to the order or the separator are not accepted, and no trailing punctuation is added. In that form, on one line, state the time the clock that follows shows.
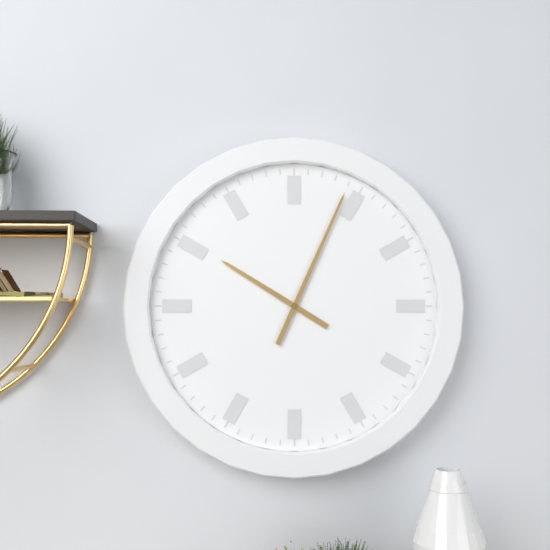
**10:04**
